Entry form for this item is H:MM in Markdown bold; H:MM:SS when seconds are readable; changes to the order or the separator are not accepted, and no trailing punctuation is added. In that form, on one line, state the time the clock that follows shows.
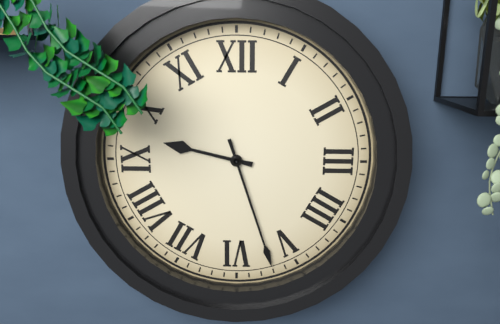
**9:27**
